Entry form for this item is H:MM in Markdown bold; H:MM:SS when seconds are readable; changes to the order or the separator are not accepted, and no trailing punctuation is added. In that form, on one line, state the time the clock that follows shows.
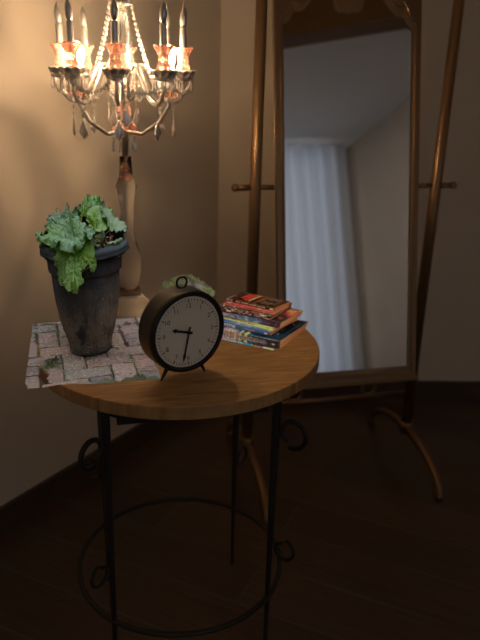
**9:32**
